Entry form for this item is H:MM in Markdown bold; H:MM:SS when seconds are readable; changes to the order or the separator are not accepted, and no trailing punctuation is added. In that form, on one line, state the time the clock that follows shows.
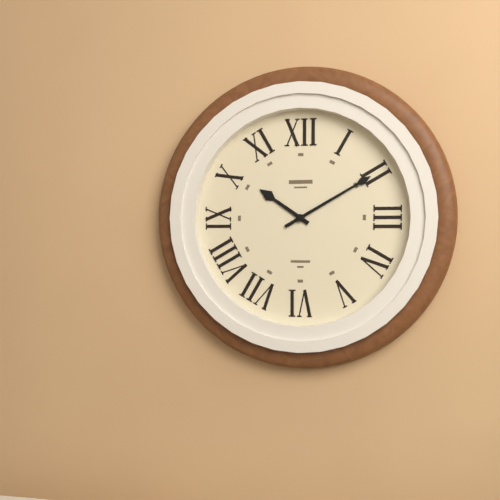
**10:10**
